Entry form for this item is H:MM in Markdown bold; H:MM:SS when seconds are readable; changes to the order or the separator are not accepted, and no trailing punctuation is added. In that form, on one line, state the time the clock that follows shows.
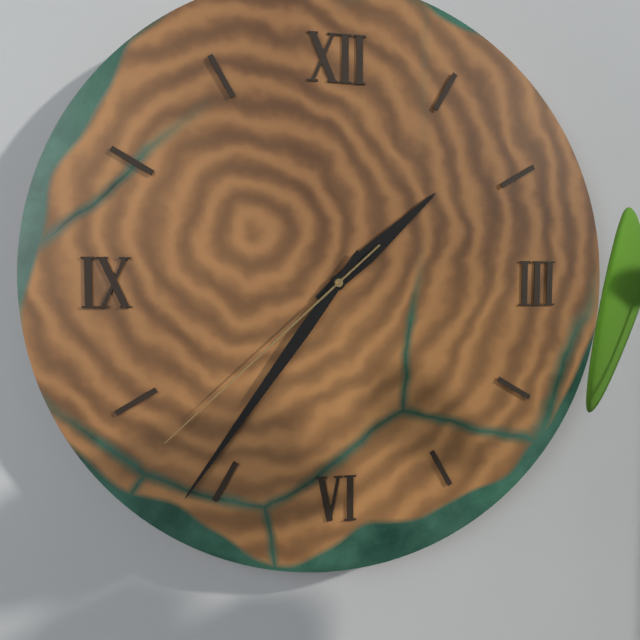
**1:36:38**
